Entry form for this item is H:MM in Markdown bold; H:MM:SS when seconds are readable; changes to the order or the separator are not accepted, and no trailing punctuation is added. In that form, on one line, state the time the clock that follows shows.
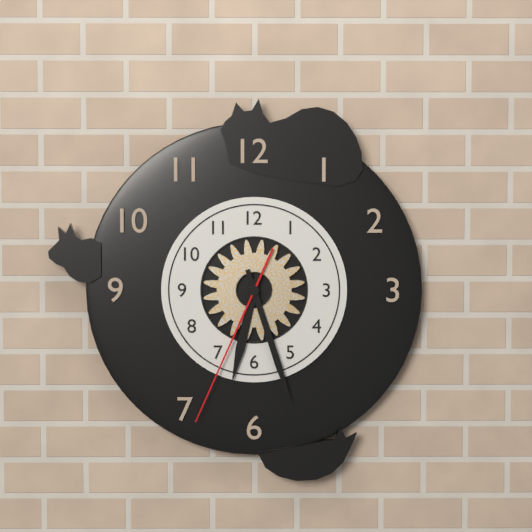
**6:27:34**
